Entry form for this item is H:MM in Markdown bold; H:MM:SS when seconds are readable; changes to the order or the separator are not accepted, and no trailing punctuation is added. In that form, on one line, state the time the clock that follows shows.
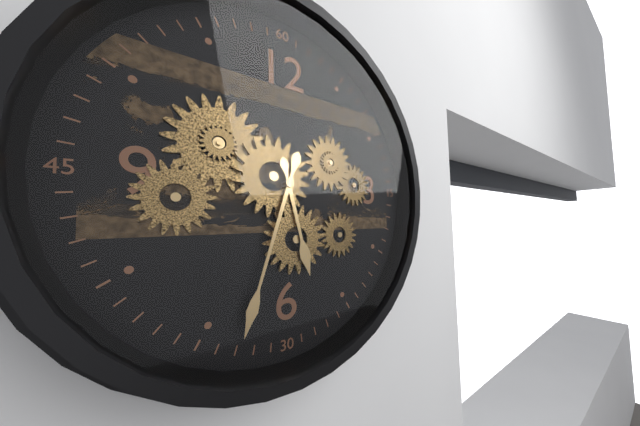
**5:33**
